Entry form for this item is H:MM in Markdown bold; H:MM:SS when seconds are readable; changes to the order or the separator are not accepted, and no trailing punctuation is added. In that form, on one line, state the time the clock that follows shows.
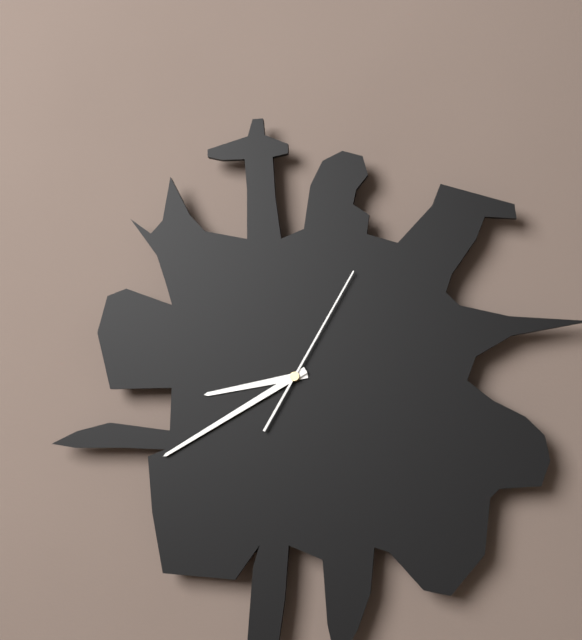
**8:40:05**
